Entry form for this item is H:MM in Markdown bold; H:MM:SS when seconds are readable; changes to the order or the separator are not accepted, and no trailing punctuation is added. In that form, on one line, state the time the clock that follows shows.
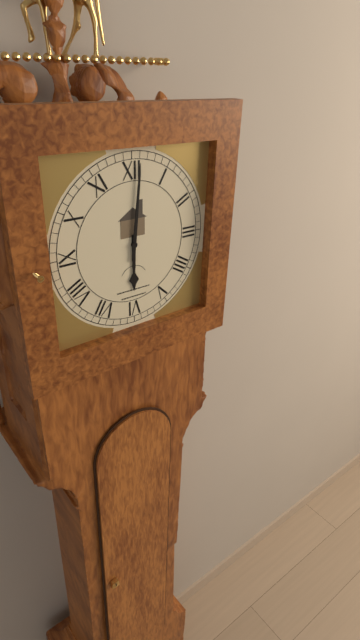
**6:01**
